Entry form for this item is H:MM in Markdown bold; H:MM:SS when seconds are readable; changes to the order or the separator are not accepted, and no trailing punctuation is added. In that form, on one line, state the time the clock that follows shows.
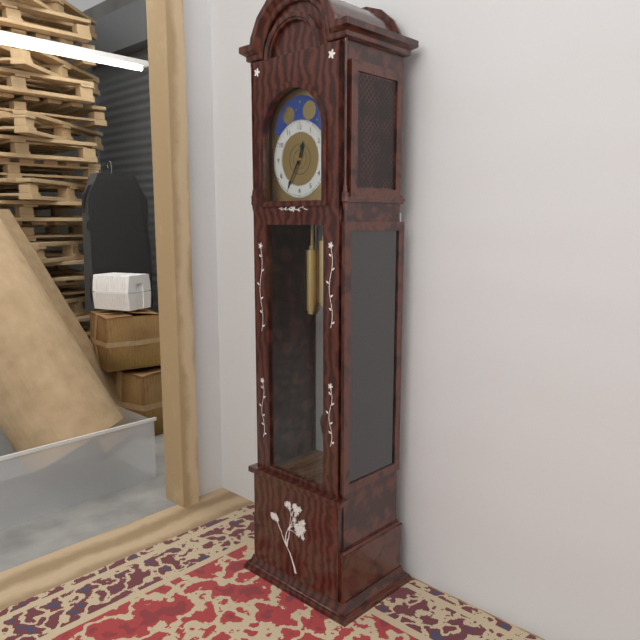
**12:35**
